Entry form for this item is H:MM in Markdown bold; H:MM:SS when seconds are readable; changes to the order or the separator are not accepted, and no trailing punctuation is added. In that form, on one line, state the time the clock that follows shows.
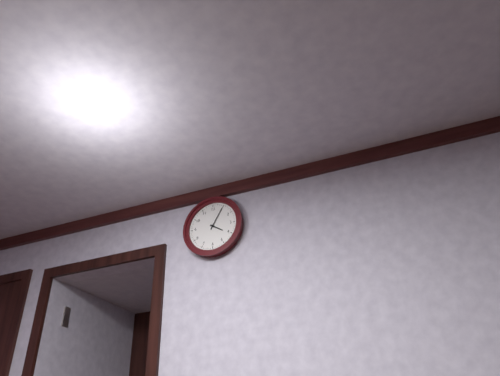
**4:05**
